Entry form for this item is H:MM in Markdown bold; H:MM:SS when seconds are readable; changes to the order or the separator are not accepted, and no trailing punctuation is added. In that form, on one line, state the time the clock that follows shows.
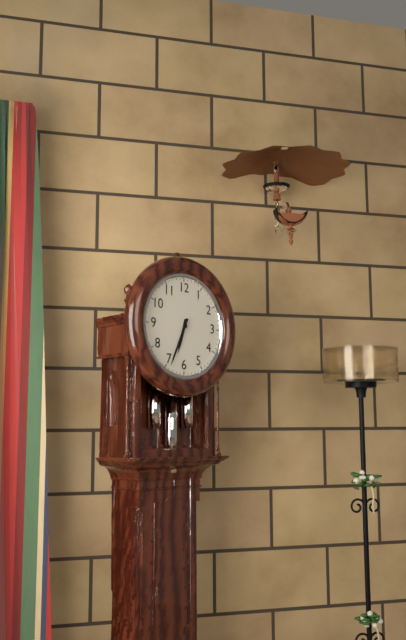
**6:34**
